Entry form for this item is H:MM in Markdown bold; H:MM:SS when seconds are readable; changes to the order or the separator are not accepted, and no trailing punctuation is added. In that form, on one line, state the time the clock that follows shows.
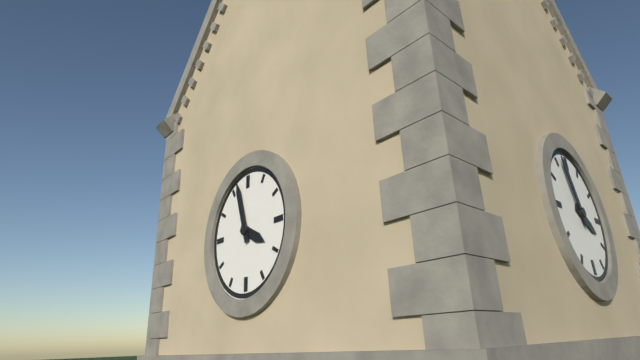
**3:57**
